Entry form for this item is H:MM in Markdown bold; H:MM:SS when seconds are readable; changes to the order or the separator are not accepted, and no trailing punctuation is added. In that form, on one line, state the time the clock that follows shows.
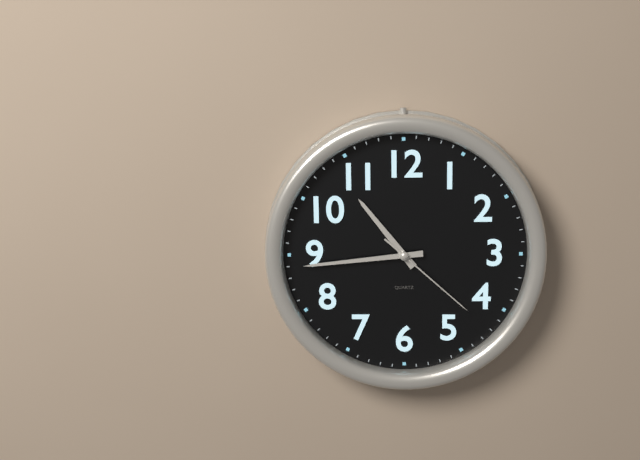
**10:44:22**
